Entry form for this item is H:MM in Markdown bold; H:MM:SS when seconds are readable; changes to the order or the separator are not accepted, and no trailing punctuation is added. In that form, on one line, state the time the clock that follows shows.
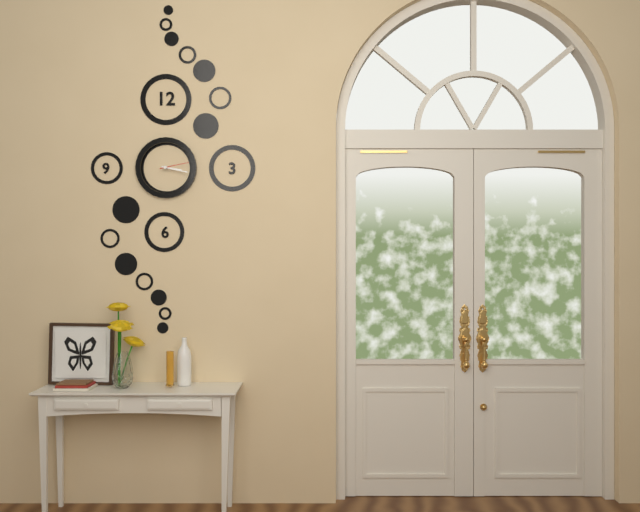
**3:17**
